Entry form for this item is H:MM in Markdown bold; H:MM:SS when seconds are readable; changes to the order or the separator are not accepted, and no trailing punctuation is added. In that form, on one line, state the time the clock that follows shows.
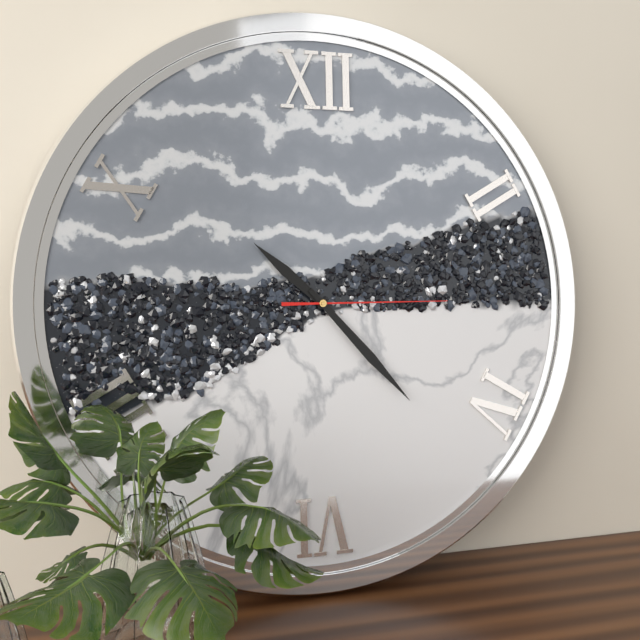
**10:23:15**
